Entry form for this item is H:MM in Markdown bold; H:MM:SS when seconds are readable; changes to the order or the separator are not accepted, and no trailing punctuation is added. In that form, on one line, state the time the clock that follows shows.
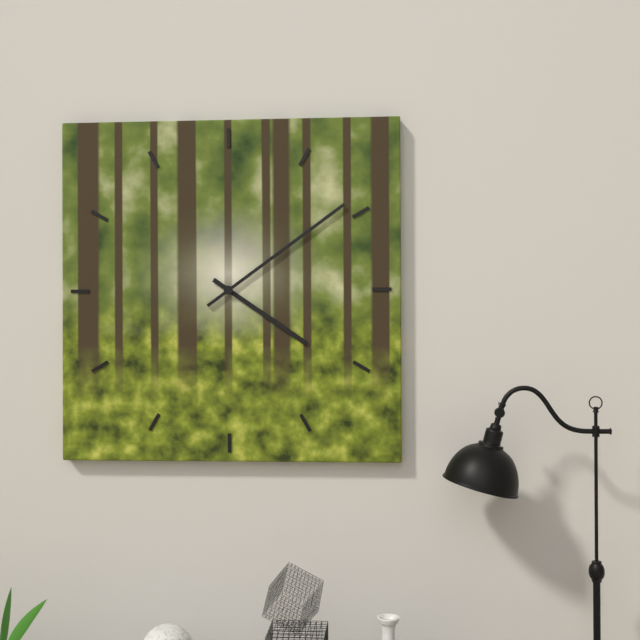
**4:09**
